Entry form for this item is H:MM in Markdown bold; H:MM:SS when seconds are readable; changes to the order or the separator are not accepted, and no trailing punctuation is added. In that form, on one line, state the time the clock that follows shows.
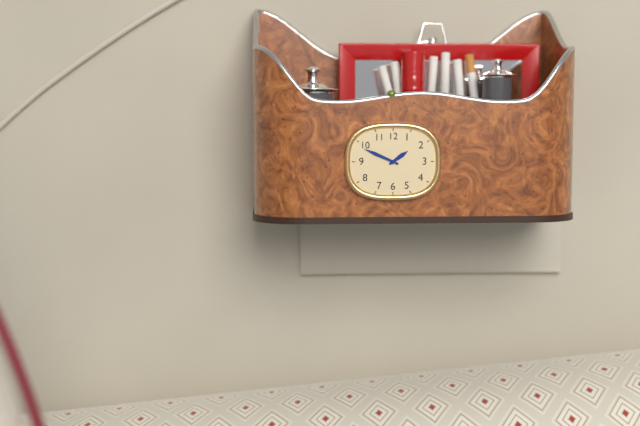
**1:49**
